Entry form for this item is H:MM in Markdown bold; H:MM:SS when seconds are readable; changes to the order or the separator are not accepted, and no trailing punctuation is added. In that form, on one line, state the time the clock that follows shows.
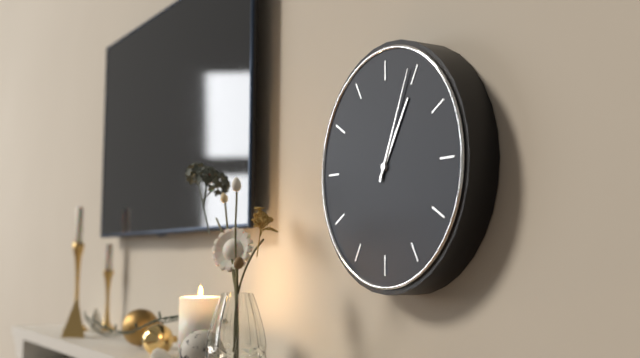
**1:04**
